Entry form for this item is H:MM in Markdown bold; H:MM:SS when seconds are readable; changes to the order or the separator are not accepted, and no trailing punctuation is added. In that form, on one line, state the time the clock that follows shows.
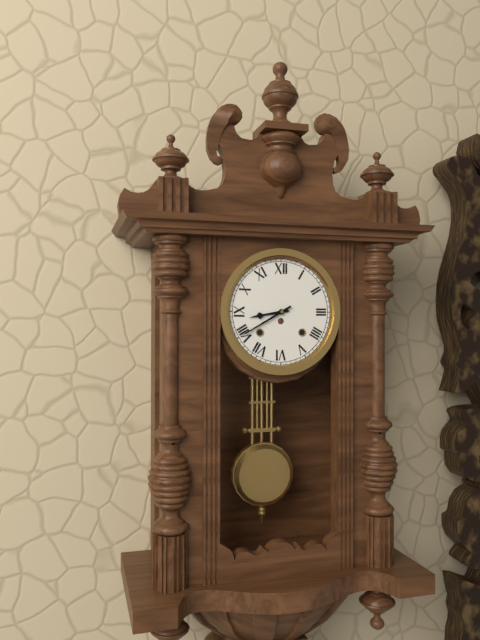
**8:40**
